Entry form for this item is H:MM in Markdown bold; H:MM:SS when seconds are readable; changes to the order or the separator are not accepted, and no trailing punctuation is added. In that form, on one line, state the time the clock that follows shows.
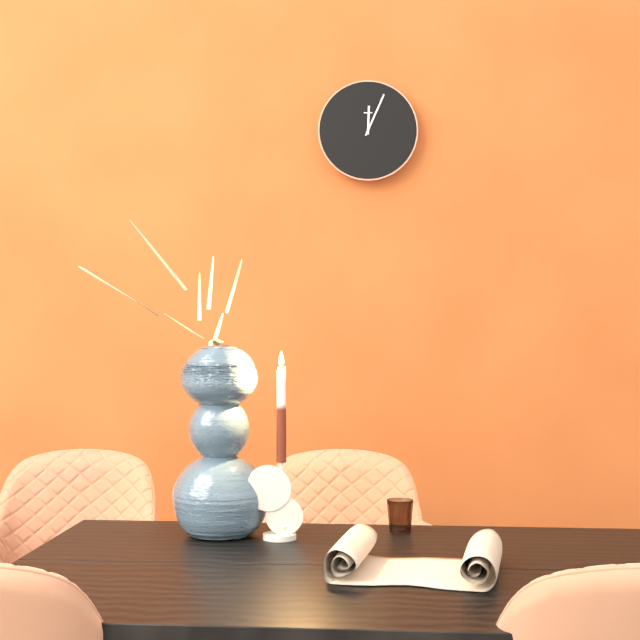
**12:04**
